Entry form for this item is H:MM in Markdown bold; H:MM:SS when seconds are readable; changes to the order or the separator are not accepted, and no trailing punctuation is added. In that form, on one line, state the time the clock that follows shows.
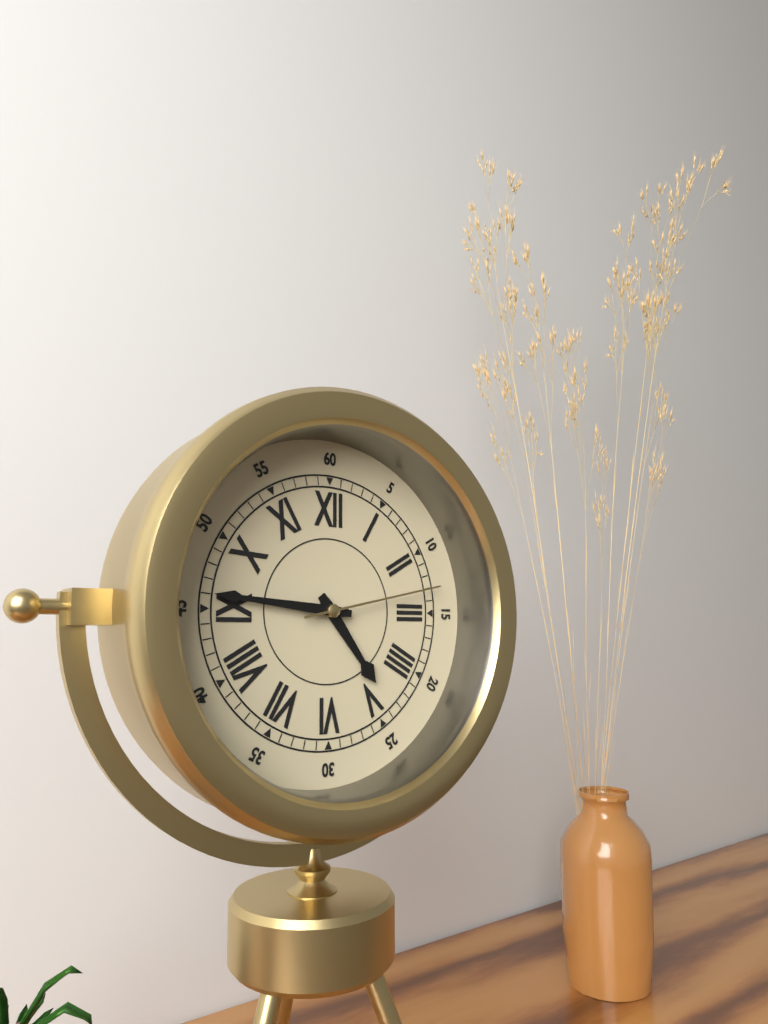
**4:46:13**
